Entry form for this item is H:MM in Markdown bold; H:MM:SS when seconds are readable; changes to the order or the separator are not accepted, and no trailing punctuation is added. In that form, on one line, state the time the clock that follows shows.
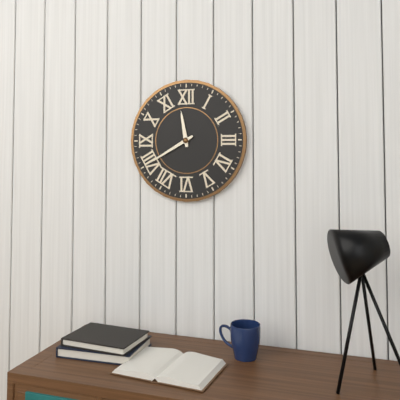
**11:40**
